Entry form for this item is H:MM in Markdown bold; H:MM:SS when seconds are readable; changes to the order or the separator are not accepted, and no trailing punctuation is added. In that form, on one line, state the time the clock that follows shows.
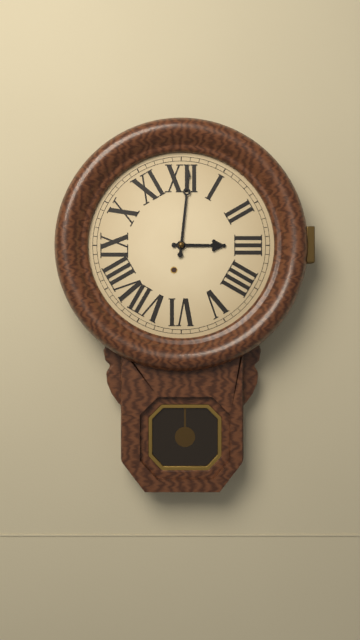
**3:01**
